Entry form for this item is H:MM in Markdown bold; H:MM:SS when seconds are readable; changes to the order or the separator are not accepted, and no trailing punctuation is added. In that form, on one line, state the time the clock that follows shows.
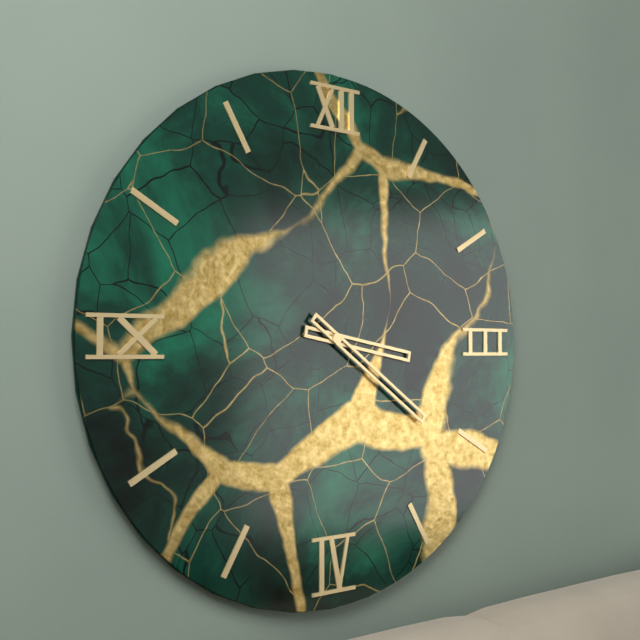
**3:21**
